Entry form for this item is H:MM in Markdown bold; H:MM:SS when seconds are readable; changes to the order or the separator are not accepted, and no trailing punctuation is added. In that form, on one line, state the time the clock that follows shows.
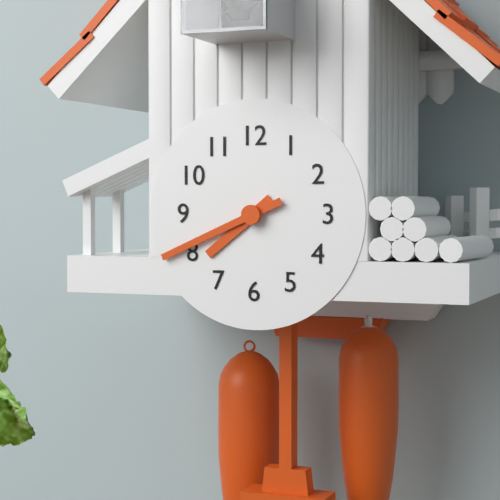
**7:41**
